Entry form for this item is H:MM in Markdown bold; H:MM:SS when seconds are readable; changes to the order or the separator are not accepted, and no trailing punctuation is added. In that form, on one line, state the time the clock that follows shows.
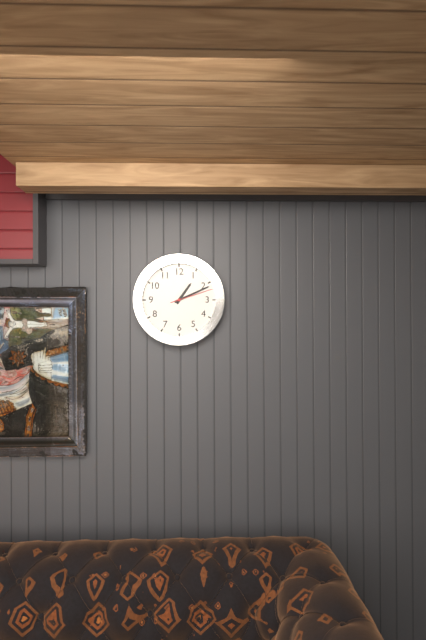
**1:11**
